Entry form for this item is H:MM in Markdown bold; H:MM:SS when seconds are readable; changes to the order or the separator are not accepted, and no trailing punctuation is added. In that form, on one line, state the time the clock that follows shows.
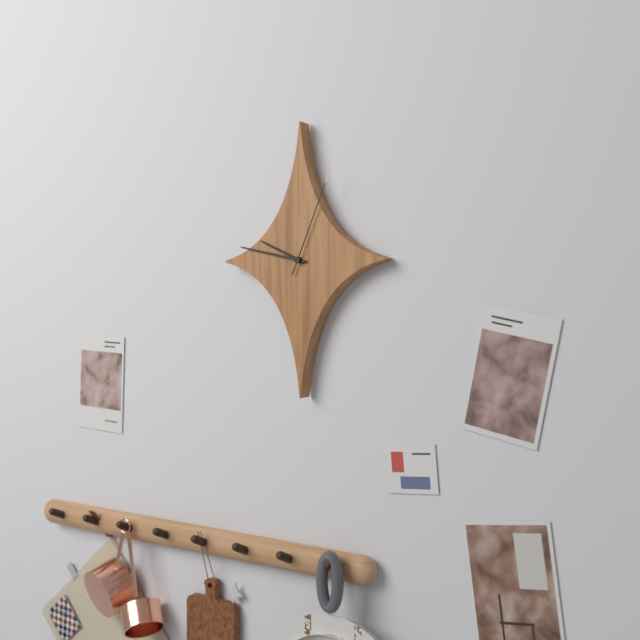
**9:47:04**
